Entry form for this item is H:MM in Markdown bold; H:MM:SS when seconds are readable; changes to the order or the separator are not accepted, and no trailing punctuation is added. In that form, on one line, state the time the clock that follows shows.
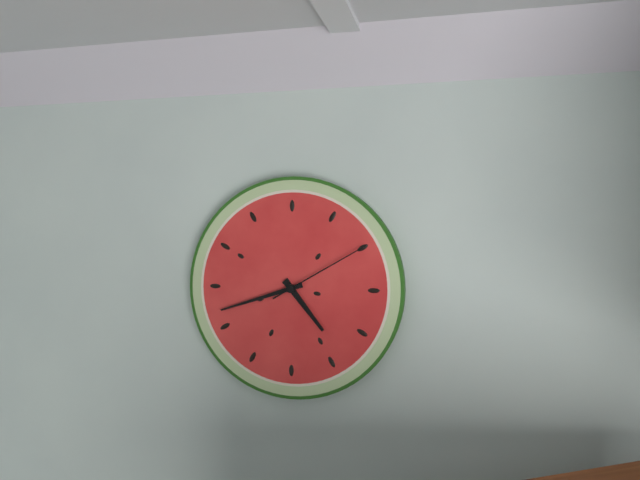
**4:42:10**
